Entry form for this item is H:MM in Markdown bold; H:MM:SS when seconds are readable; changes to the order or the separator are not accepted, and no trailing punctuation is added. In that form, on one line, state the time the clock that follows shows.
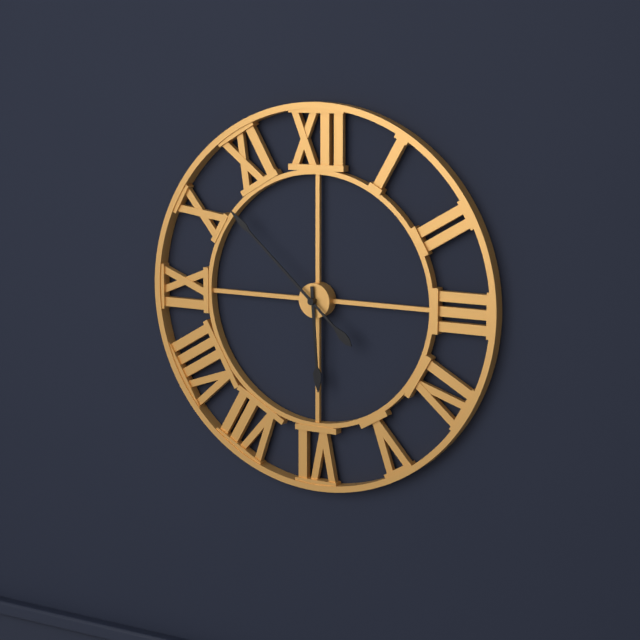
**5:52**
